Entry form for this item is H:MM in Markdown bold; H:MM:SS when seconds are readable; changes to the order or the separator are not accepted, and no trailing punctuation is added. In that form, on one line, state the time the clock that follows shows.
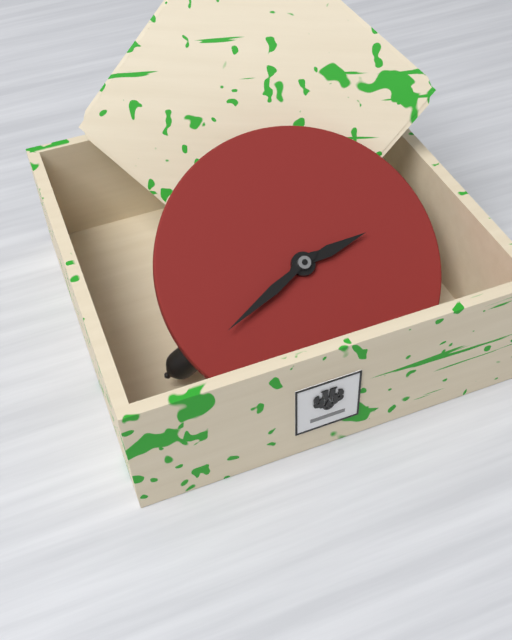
**2:41**
